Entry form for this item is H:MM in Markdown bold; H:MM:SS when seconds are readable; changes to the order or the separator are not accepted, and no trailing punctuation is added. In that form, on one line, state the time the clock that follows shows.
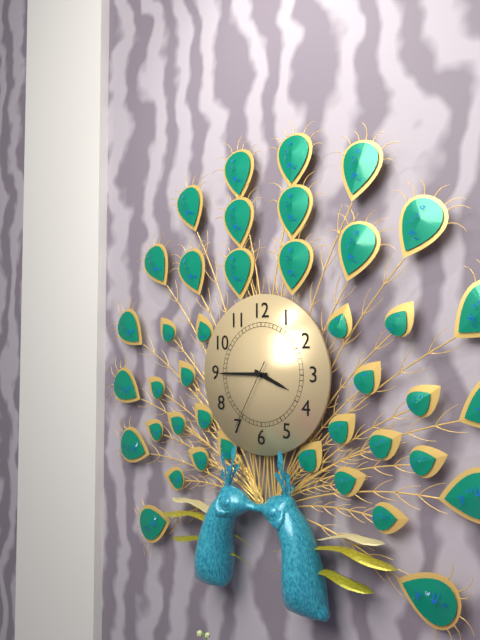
**3:45:35**
